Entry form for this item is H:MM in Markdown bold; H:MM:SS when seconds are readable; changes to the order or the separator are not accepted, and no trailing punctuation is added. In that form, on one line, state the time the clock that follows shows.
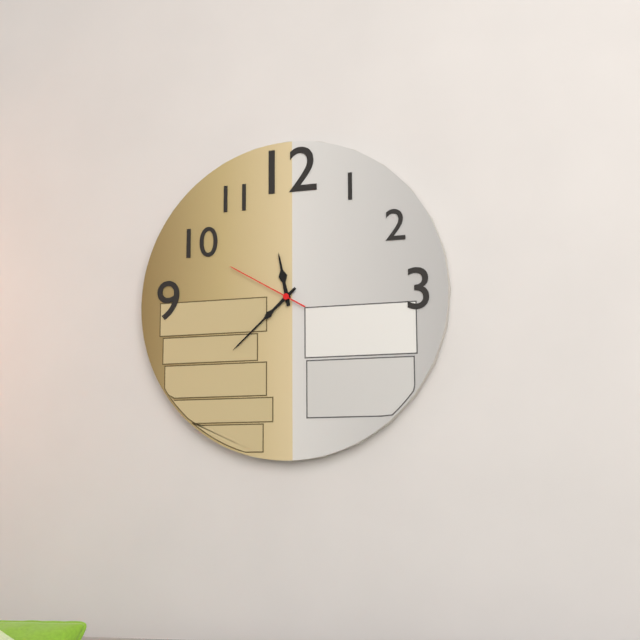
**11:38:50**
